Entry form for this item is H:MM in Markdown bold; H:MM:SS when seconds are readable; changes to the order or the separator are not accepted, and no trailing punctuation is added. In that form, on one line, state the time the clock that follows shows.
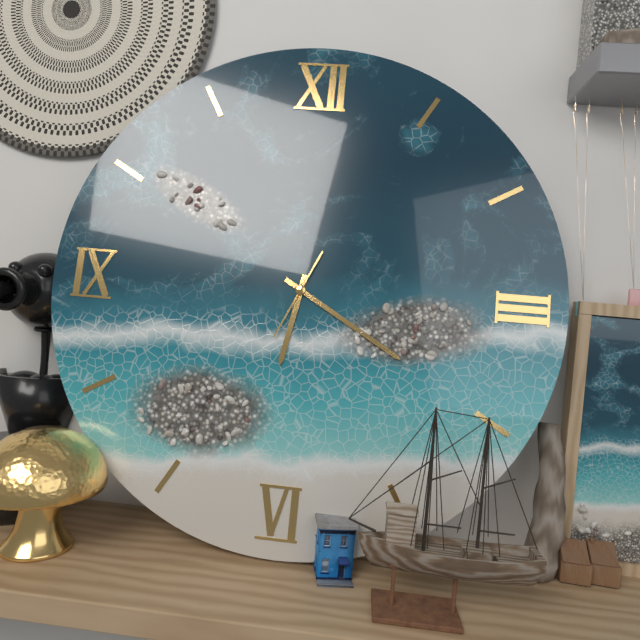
**6:20:34**
